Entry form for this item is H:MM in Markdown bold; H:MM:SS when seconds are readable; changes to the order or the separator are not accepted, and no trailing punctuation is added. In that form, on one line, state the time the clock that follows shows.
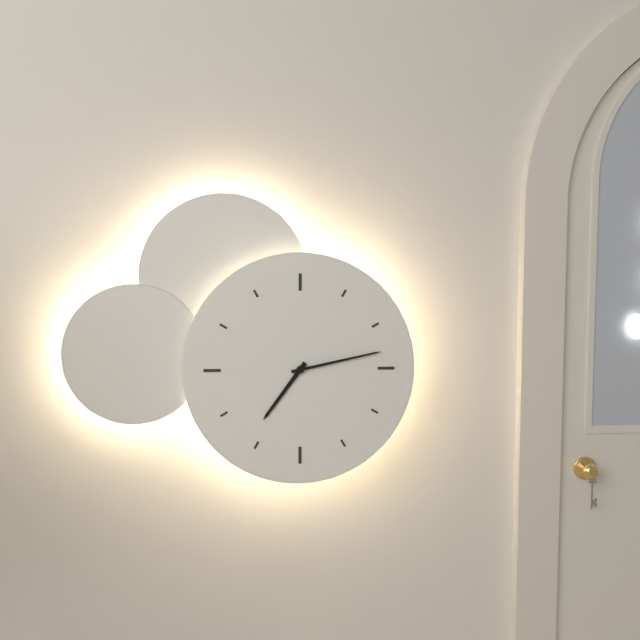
**7:13**
